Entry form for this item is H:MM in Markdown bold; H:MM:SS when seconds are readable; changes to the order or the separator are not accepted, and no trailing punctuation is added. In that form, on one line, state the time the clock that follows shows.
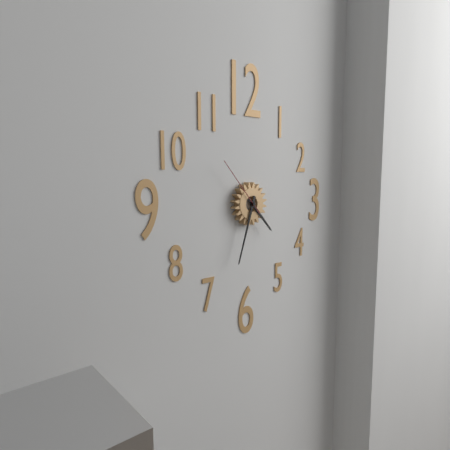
**4:33:53**
